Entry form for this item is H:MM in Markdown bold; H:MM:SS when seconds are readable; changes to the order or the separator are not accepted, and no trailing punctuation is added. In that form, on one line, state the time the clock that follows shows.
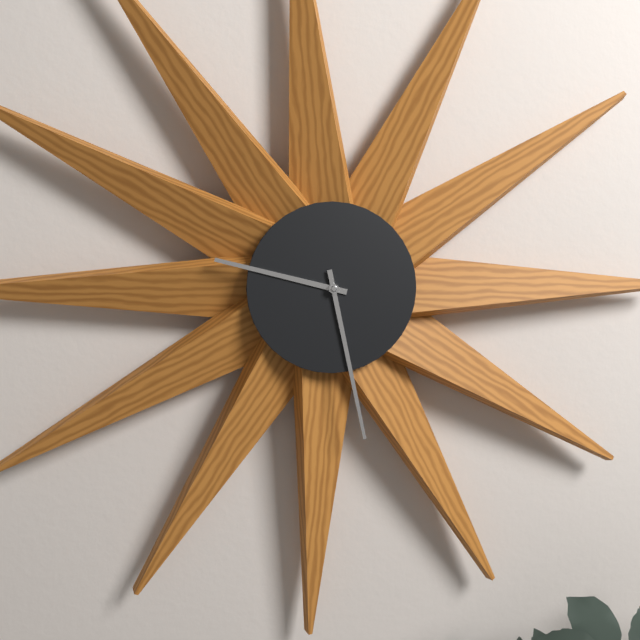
**9:28**
